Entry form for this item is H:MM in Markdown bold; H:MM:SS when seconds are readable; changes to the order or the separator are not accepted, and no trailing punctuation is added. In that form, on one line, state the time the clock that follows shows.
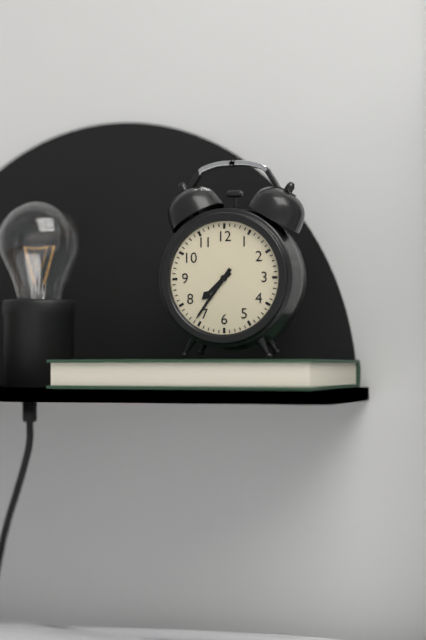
**7:36**
